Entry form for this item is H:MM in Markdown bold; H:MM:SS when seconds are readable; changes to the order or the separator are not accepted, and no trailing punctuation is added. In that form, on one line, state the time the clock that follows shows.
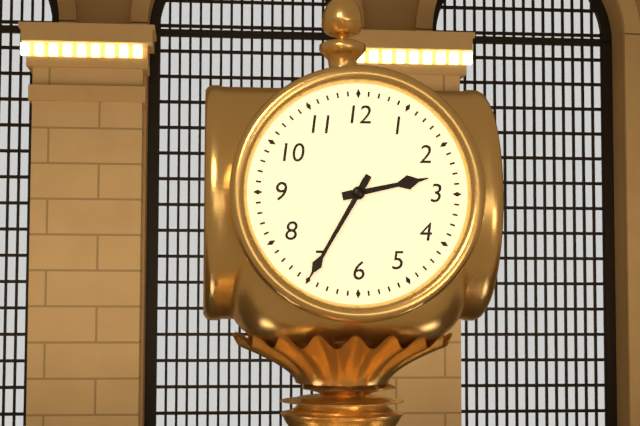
**2:35**
